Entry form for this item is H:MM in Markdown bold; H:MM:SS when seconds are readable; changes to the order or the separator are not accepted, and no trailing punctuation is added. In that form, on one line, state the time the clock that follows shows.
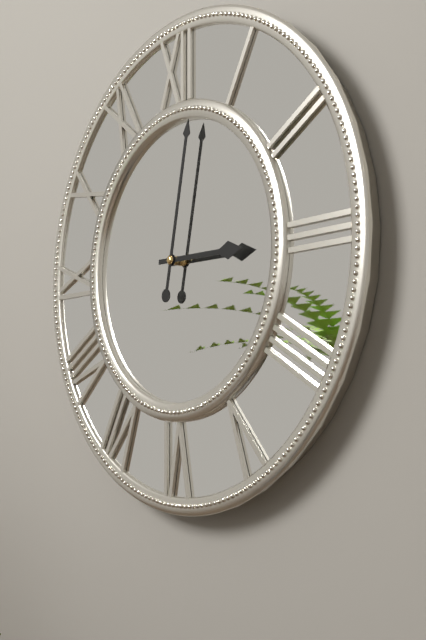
**3:02**
